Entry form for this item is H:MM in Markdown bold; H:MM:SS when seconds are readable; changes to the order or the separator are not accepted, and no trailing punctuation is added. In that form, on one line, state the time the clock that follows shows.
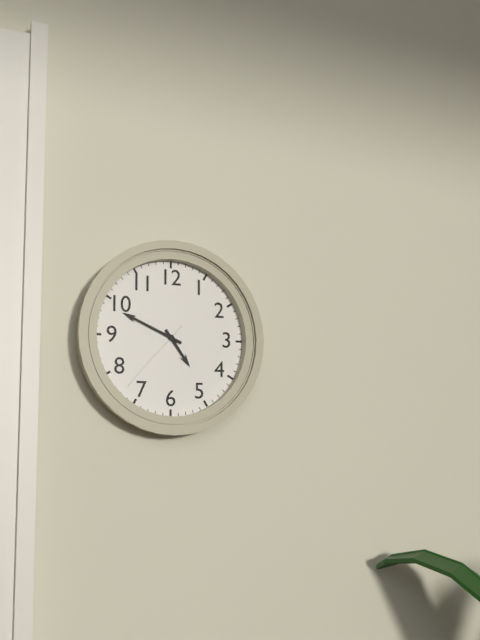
**4:49:37**
